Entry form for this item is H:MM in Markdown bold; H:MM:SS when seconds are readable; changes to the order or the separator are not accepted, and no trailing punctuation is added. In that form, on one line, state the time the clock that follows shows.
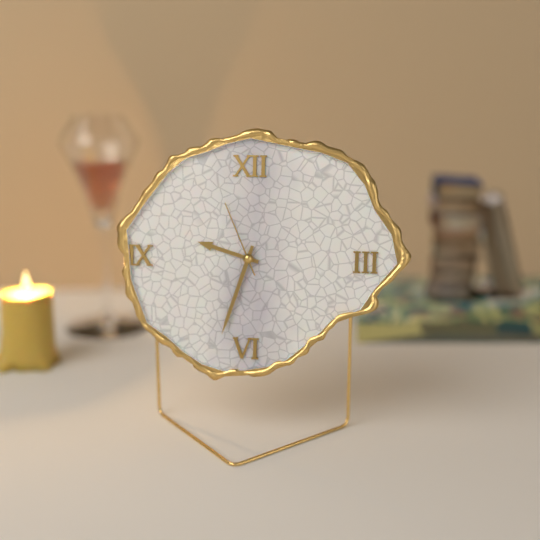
**9:33:56**
